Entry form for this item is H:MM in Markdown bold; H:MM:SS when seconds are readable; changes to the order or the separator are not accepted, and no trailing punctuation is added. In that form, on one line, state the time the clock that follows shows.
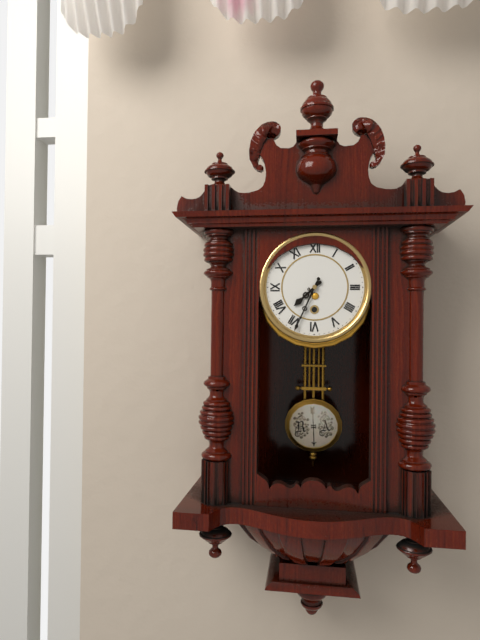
**7:34**
